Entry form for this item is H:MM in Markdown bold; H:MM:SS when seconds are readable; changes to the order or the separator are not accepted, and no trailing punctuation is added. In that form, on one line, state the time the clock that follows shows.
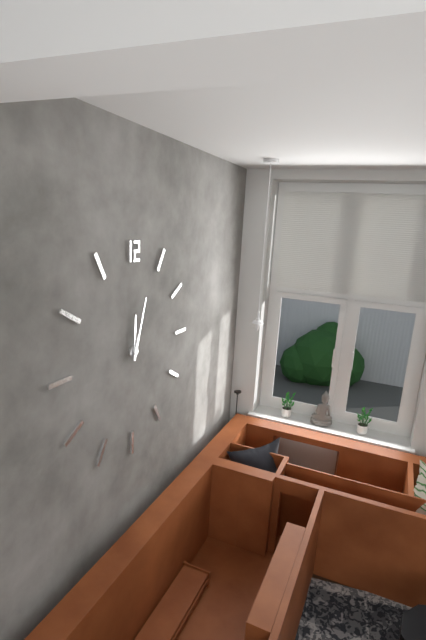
**12:03**
